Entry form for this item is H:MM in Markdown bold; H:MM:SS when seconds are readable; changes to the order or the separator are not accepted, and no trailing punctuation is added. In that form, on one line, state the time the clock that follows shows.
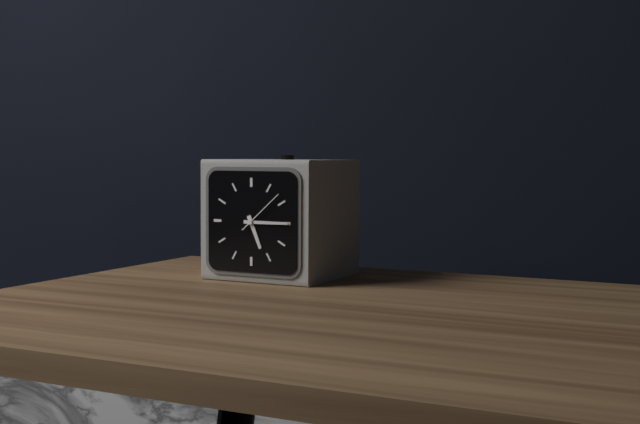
**5:15**
